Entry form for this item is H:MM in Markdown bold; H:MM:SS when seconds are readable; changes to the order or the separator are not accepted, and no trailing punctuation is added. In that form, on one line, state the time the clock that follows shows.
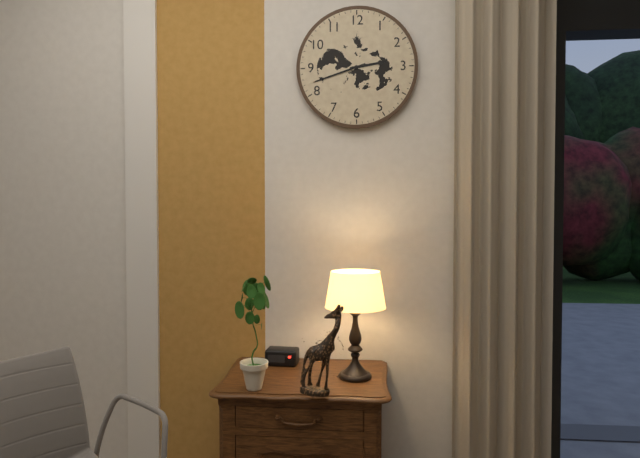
**2:42**
